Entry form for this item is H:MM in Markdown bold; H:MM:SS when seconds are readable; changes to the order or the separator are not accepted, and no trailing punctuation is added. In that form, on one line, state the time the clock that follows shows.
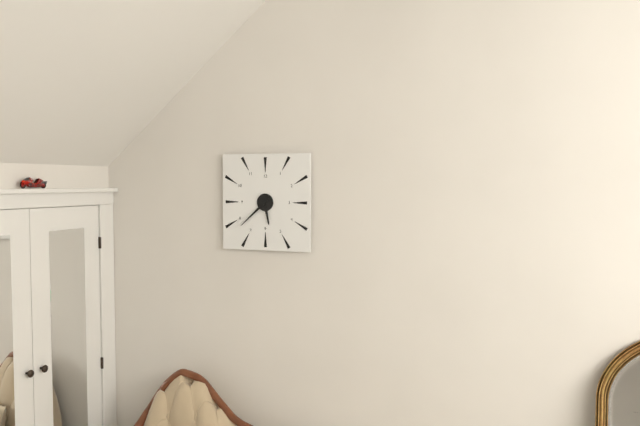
**5:38**
